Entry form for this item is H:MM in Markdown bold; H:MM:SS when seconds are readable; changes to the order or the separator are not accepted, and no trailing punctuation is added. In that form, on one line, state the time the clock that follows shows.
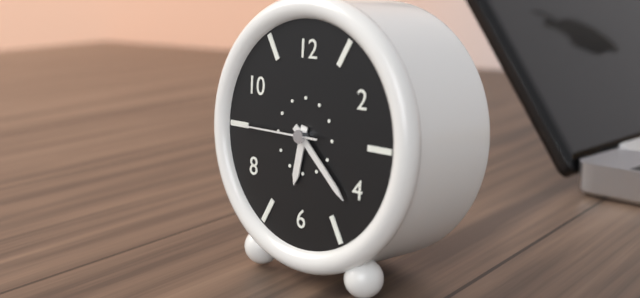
**6:22:45**
